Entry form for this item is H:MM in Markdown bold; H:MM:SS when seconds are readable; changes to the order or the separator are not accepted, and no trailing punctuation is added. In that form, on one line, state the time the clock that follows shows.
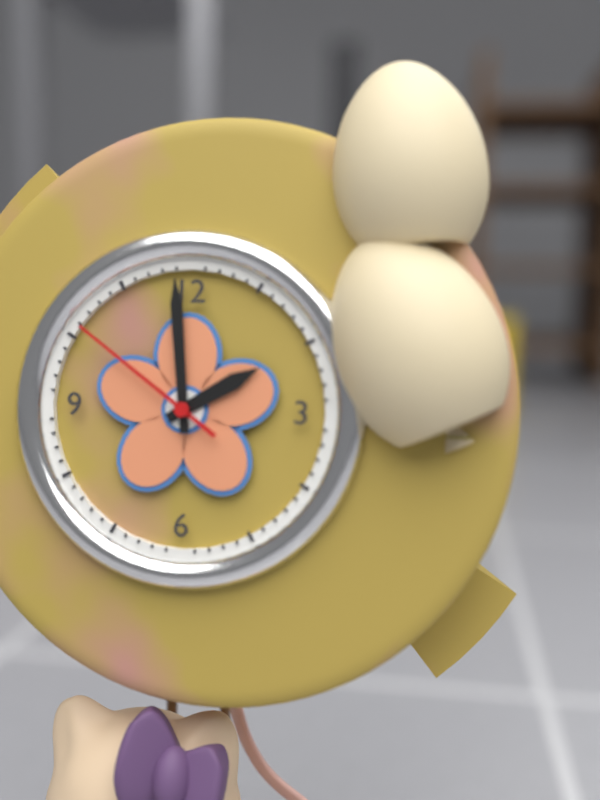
**1:59:51**
